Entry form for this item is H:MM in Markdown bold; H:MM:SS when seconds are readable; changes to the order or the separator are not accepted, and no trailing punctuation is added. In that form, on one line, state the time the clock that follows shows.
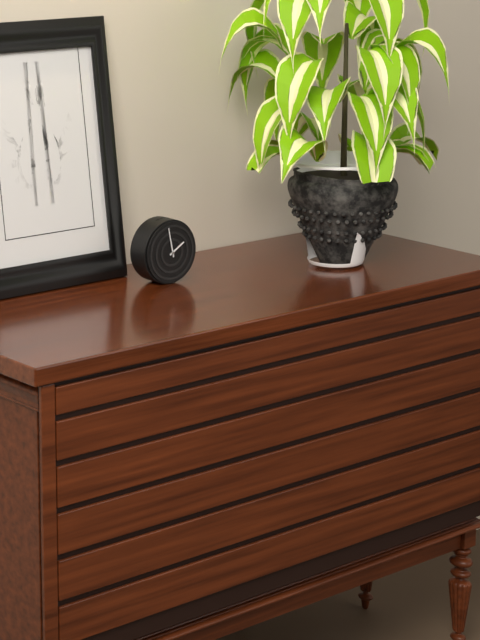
**1:58**
